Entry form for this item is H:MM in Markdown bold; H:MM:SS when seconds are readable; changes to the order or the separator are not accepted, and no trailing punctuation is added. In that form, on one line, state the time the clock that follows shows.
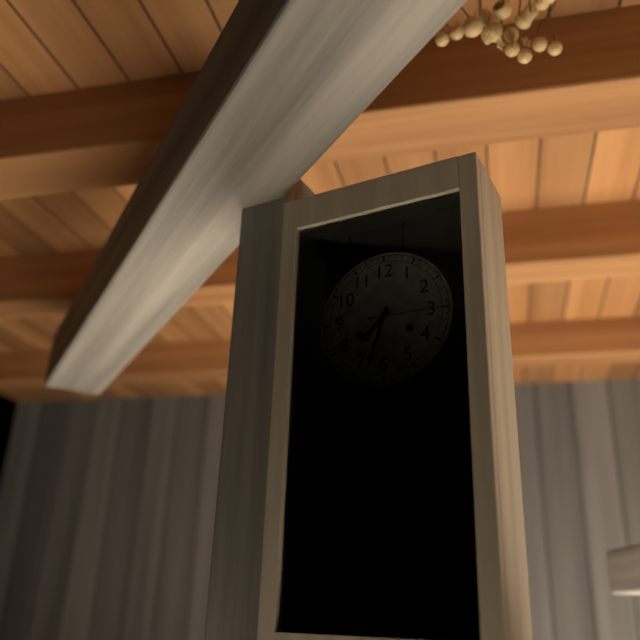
**7:33:15**
